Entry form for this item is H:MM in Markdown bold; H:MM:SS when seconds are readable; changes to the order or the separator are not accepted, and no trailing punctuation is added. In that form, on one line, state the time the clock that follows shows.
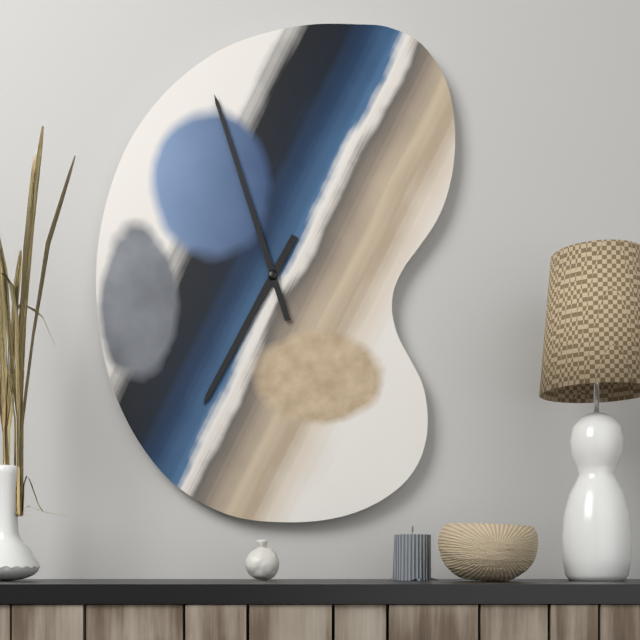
**6:57**
